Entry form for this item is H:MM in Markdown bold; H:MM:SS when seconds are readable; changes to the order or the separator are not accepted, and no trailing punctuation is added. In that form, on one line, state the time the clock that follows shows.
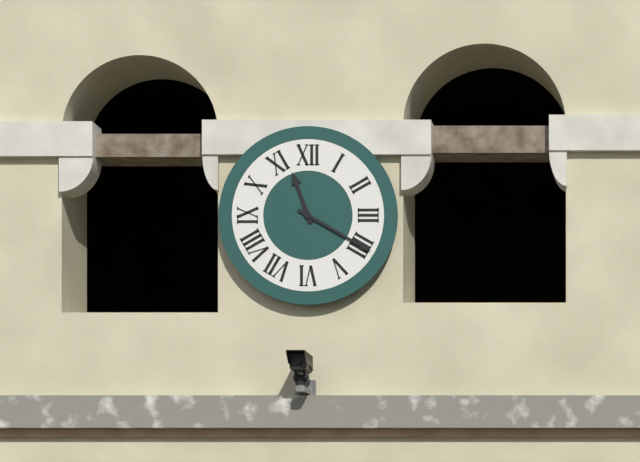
**11:20**
